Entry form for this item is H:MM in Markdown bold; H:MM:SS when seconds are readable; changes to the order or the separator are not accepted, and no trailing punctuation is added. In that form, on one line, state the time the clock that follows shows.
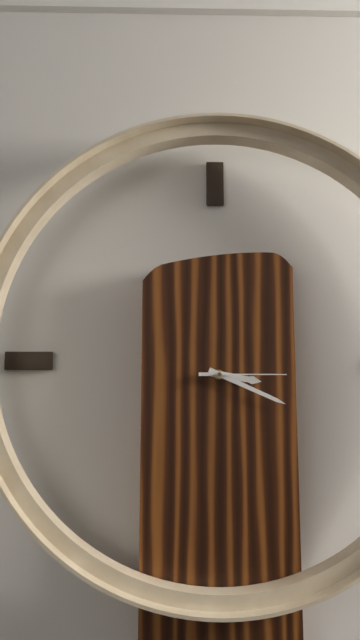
**3:19:15**
